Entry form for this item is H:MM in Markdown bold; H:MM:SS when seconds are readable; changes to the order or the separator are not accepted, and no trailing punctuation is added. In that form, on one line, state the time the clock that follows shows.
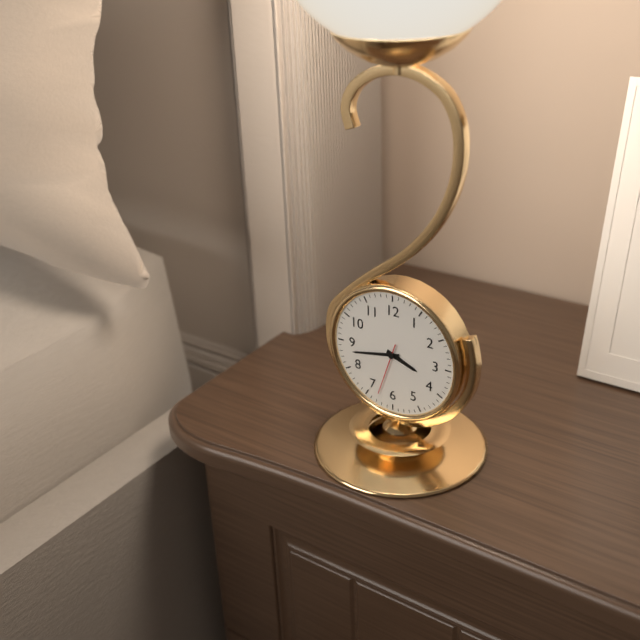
**3:43:33**
